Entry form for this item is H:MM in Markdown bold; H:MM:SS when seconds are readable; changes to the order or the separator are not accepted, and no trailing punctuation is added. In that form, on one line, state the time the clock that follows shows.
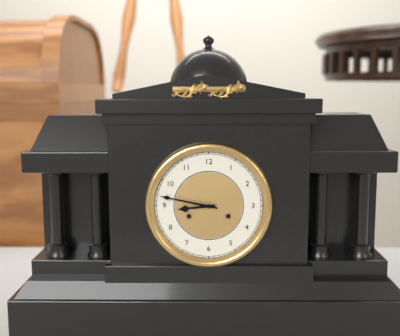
**8:47**
